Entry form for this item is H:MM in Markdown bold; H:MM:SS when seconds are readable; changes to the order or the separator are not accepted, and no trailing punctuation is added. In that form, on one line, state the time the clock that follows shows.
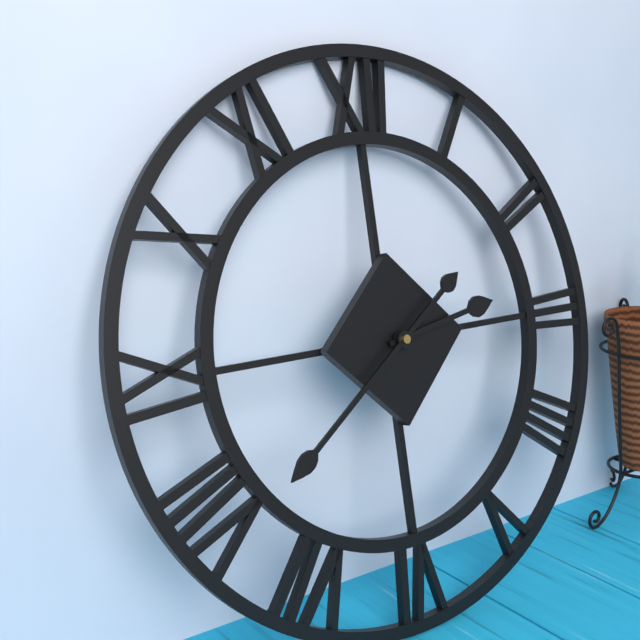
**2:39**
